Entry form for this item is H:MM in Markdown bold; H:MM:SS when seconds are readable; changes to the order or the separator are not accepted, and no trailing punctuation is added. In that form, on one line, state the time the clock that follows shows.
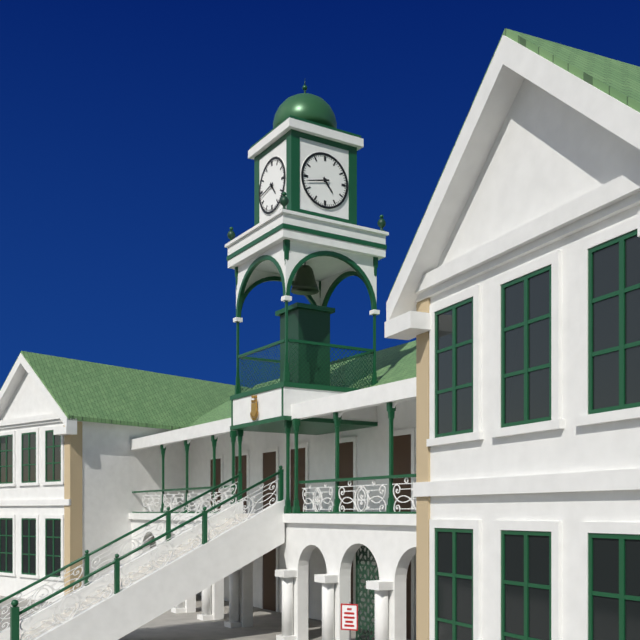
**4:43**
